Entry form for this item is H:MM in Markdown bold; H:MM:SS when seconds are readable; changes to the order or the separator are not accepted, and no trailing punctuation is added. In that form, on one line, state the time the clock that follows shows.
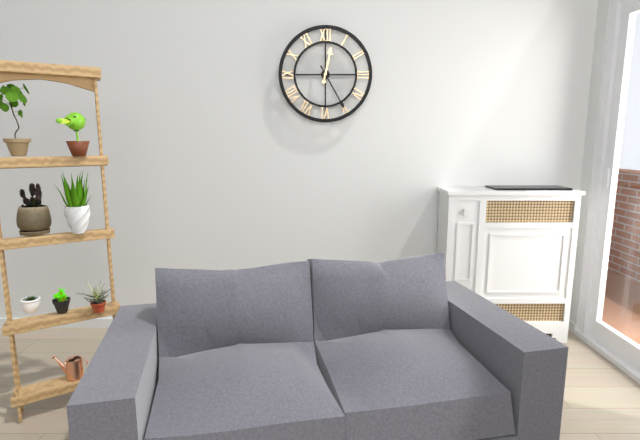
**12:25**
